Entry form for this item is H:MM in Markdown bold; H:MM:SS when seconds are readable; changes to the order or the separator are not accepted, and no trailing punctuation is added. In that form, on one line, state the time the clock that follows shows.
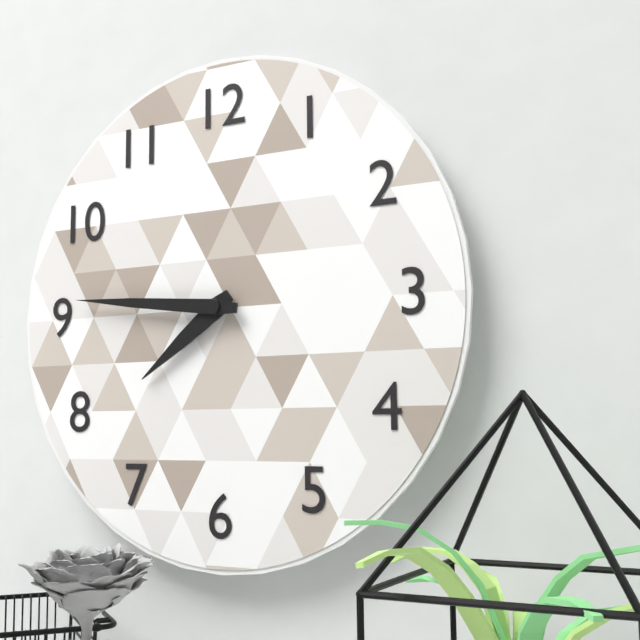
**7:46**
